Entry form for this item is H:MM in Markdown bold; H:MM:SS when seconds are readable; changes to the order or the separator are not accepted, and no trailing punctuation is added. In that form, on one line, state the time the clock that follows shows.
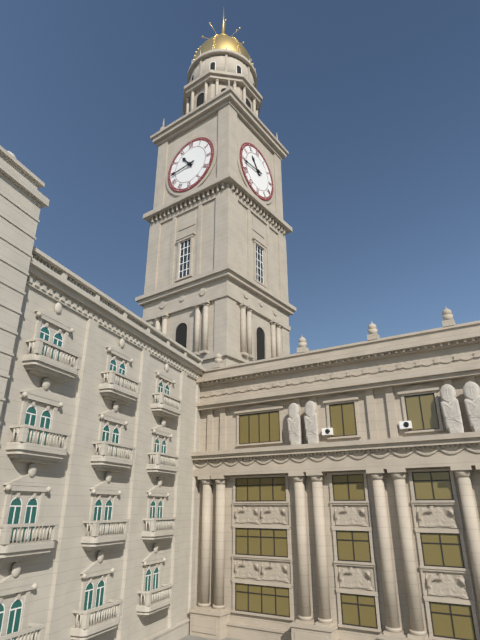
**10:44**
